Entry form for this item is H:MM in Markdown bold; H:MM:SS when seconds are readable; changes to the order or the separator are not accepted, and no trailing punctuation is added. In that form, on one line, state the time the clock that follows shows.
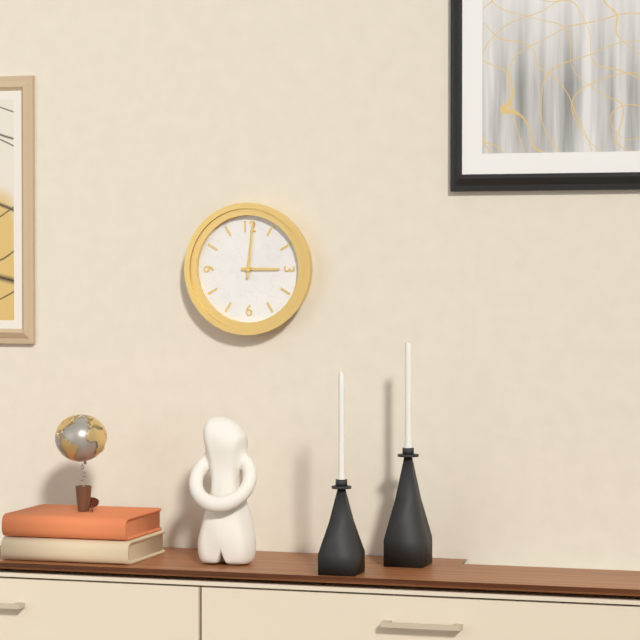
**3:01**
